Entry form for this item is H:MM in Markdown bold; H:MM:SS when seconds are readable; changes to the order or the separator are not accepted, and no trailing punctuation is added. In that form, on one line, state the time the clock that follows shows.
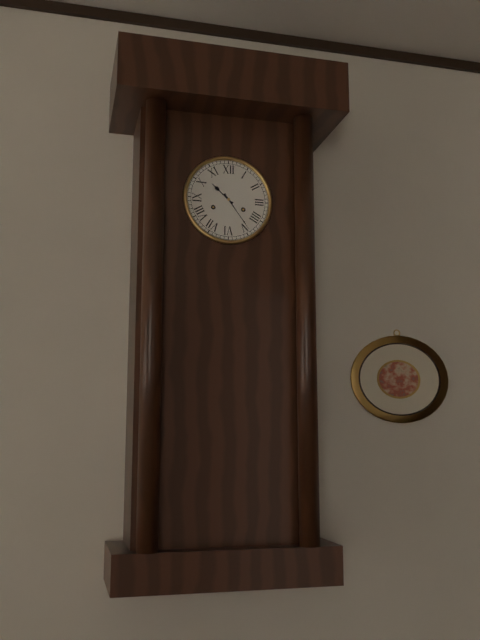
**10:24**
